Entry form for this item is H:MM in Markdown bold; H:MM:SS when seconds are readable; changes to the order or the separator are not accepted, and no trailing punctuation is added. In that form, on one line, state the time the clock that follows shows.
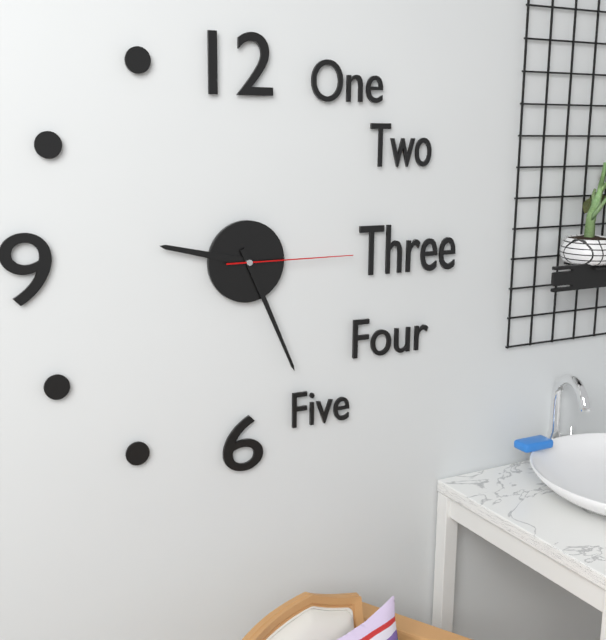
**9:26:15**
